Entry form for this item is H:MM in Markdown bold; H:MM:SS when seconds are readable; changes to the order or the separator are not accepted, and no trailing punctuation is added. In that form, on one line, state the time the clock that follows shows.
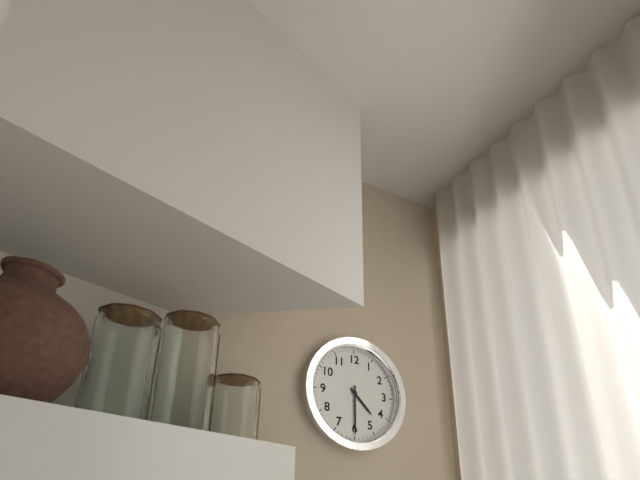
**4:30**
